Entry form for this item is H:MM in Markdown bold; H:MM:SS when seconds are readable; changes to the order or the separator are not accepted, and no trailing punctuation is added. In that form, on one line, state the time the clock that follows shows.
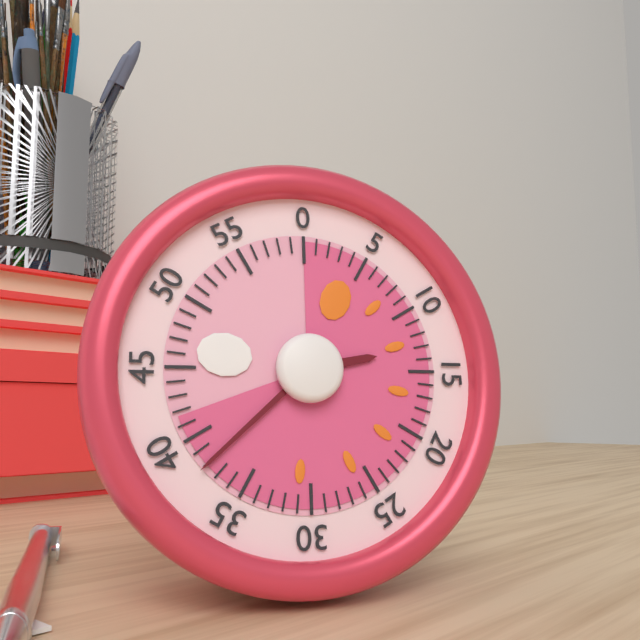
**2:38**
